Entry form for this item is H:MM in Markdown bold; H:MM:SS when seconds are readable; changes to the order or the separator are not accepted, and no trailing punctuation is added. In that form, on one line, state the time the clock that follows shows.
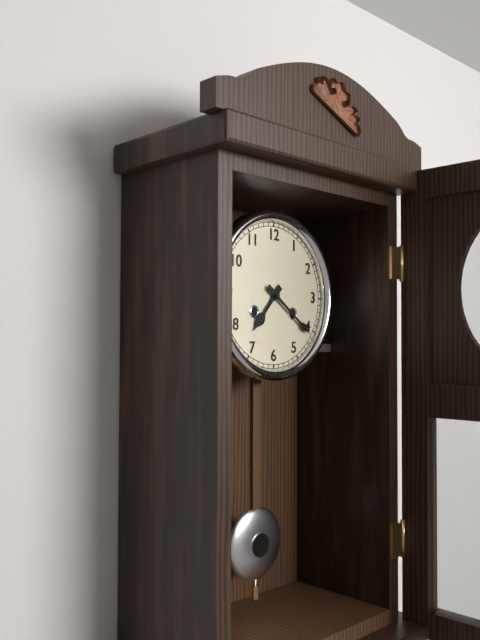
**7:21**
